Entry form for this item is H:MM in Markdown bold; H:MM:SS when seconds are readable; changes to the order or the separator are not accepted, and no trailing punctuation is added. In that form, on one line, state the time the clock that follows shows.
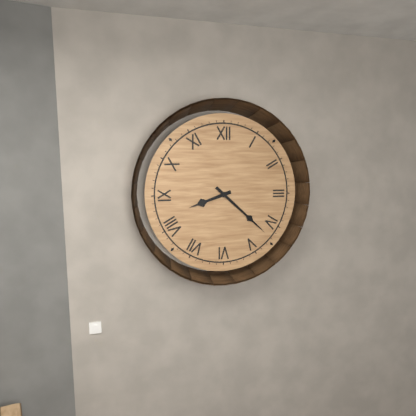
**8:22**
